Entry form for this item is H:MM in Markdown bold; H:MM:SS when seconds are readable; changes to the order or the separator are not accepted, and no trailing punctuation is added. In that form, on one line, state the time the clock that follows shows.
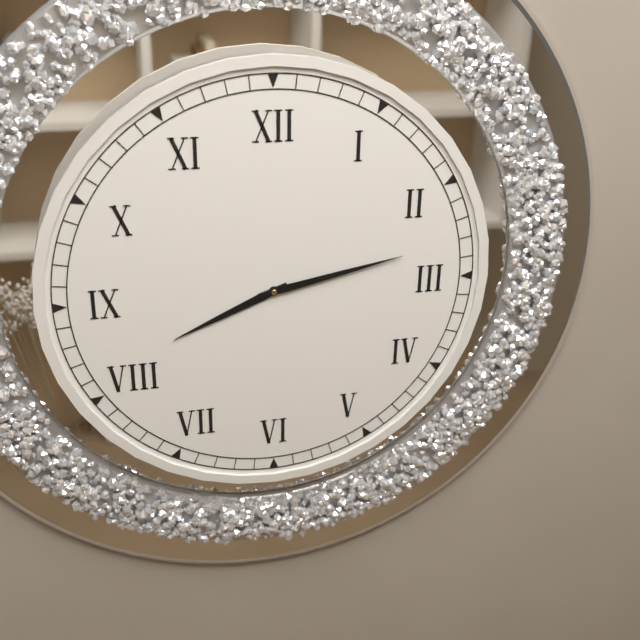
**8:13**
